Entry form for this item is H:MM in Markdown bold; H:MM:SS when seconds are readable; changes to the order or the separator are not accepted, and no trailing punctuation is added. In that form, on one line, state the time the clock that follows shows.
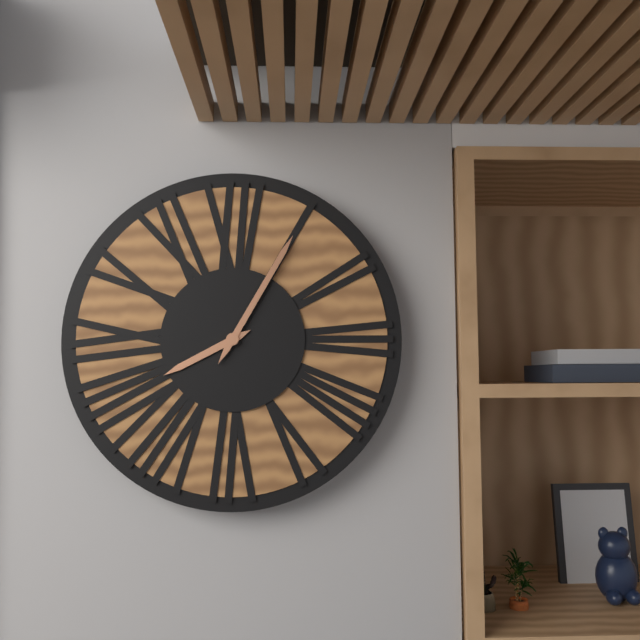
**8:05**
